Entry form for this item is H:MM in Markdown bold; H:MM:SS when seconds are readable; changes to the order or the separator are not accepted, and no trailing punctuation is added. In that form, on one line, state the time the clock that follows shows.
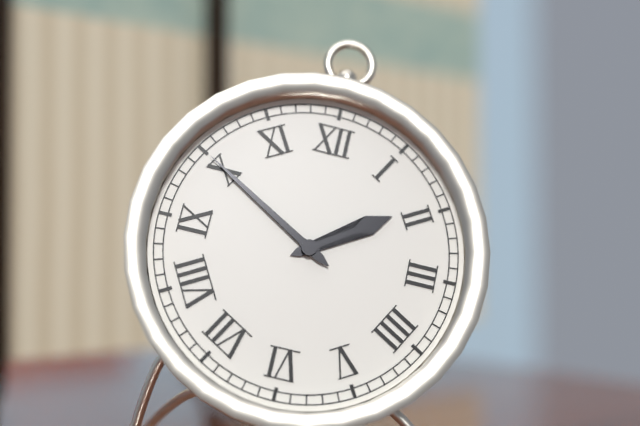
**1:50**
